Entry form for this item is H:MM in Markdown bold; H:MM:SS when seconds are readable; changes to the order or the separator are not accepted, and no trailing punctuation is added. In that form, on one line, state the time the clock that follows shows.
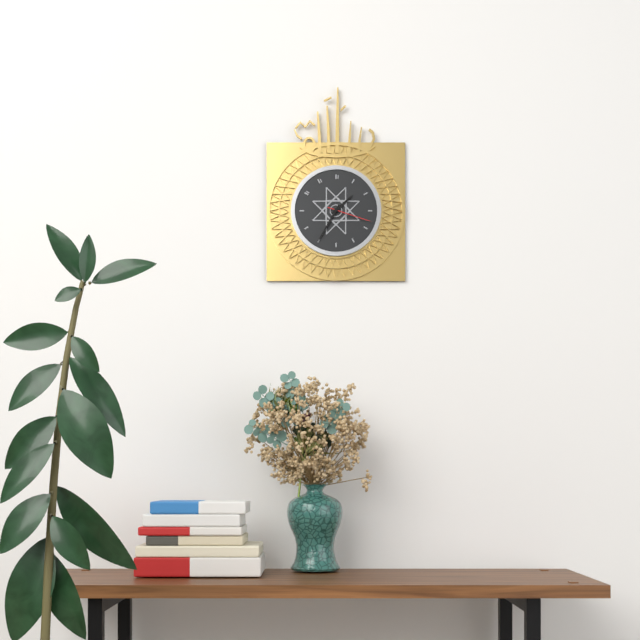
**1:35**
